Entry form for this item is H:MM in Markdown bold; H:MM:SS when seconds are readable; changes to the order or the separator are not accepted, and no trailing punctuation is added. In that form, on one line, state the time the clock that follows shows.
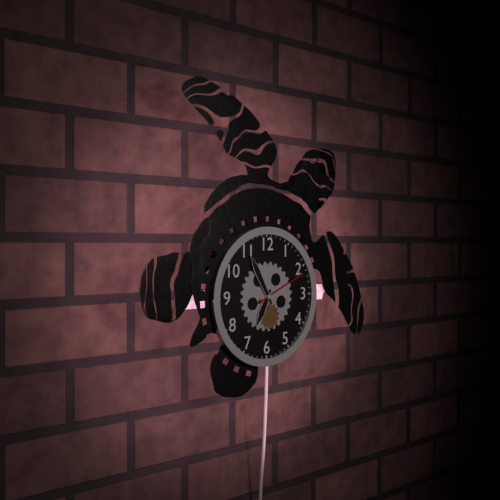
**6:55:11**
